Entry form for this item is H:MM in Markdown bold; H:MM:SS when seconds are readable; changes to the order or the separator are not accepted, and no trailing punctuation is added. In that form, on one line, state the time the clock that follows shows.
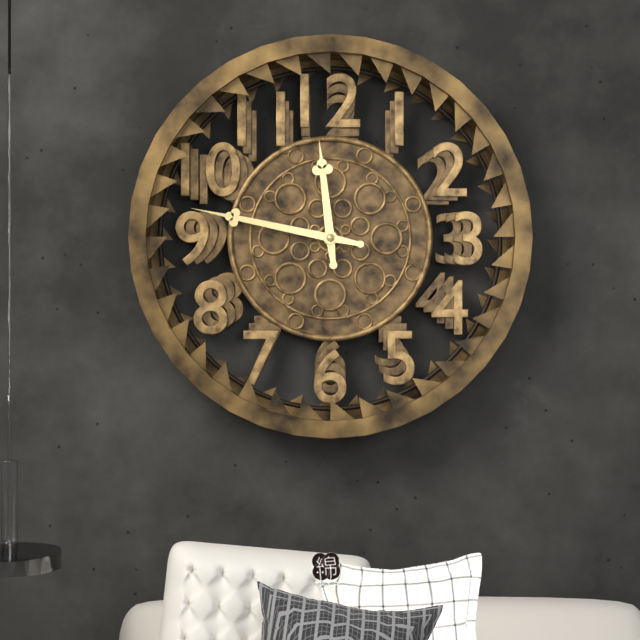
**11:47**
